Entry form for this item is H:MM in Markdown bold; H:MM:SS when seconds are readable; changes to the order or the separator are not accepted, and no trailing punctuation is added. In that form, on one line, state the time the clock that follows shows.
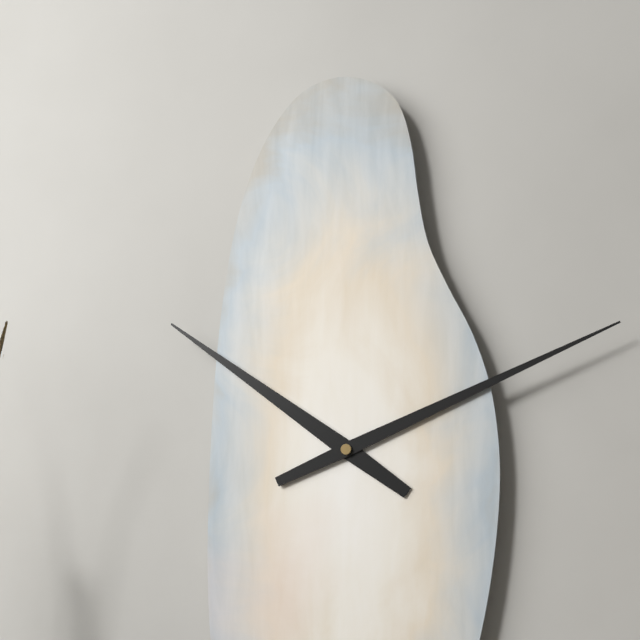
**10:11**
